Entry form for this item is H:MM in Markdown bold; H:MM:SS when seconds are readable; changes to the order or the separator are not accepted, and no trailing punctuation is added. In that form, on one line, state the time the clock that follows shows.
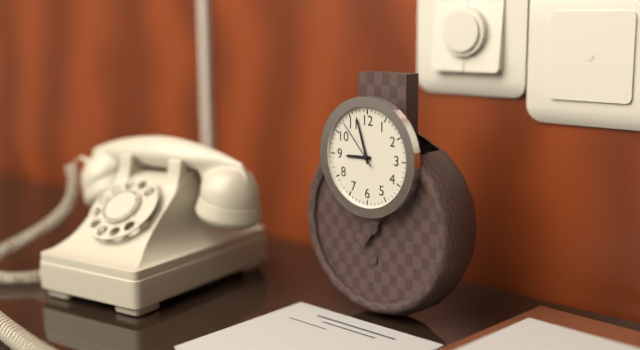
**8:57:53**
